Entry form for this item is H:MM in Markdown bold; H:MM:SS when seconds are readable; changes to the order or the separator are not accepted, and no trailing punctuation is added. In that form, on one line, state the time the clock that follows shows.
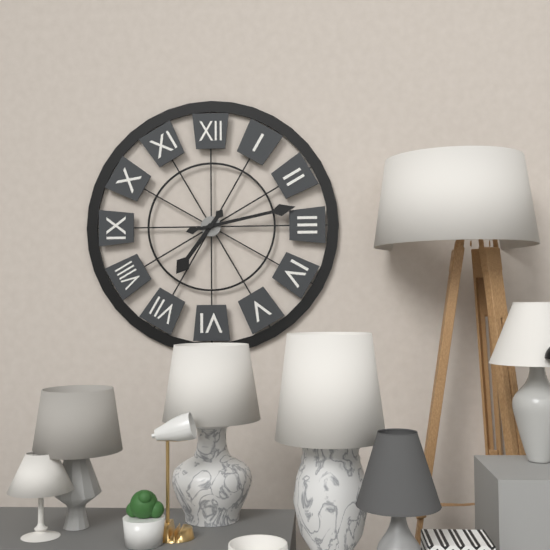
**7:13**
